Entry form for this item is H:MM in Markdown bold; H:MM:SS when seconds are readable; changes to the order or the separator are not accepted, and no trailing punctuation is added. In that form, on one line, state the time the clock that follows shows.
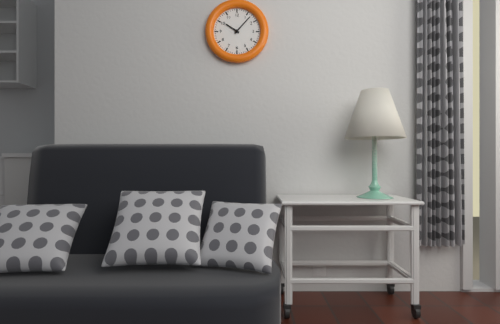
**10:07**
